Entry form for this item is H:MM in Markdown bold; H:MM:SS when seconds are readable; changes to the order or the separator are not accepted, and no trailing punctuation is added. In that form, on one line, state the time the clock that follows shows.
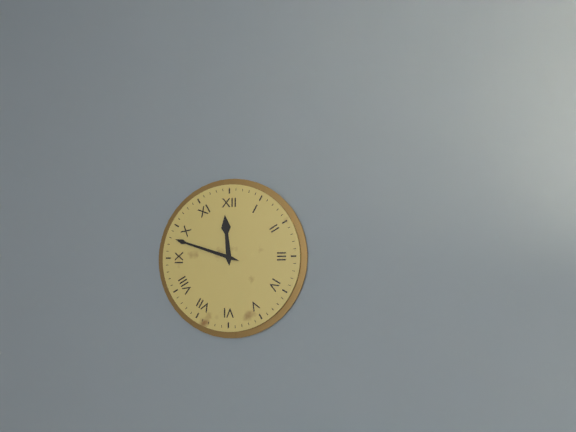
**11:48**
